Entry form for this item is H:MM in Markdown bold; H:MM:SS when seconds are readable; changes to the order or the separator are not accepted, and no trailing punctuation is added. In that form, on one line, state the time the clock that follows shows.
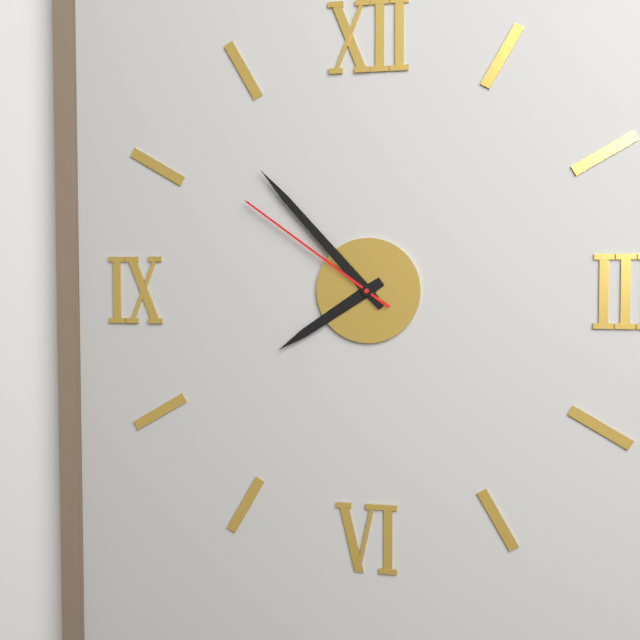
**7:53:51**
